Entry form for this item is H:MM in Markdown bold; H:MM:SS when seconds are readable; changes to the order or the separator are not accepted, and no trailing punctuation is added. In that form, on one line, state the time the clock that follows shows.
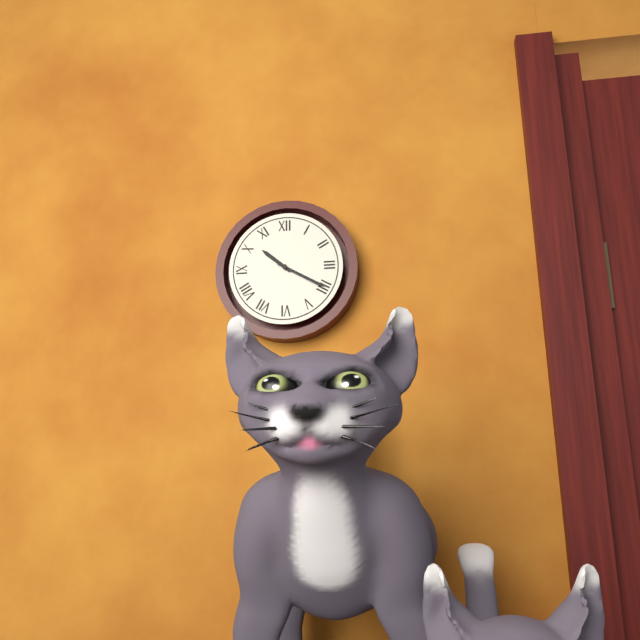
**10:20**
